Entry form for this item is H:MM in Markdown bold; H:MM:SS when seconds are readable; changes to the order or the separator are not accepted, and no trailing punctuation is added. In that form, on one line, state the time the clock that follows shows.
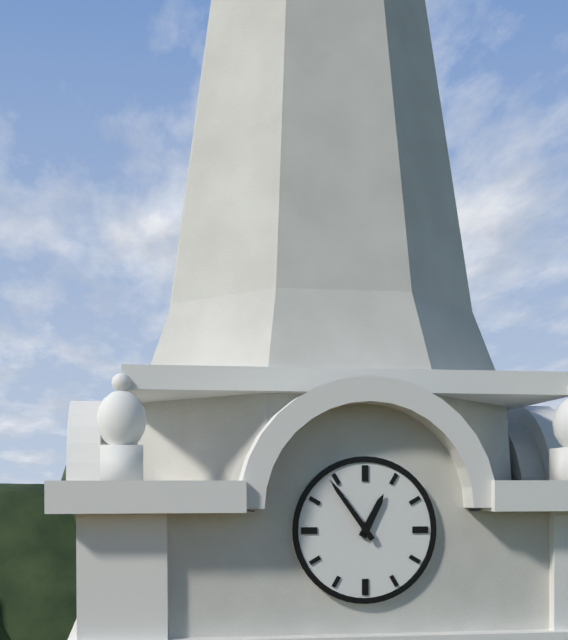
**12:54**
